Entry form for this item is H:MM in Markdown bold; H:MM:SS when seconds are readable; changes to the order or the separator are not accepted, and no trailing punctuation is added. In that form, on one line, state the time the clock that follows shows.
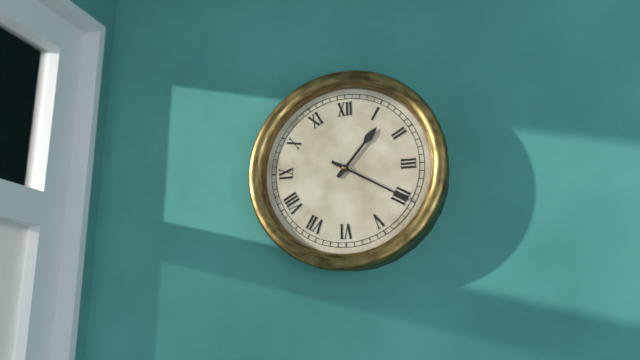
**1:20**
